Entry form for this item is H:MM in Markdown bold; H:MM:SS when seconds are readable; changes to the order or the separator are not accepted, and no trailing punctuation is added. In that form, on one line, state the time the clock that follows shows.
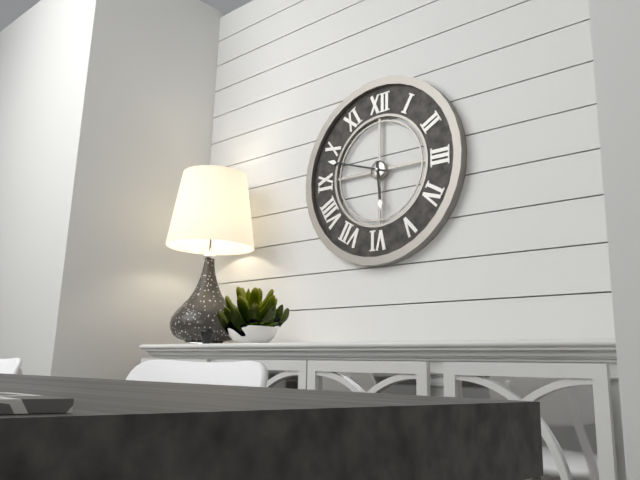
**5:48**
